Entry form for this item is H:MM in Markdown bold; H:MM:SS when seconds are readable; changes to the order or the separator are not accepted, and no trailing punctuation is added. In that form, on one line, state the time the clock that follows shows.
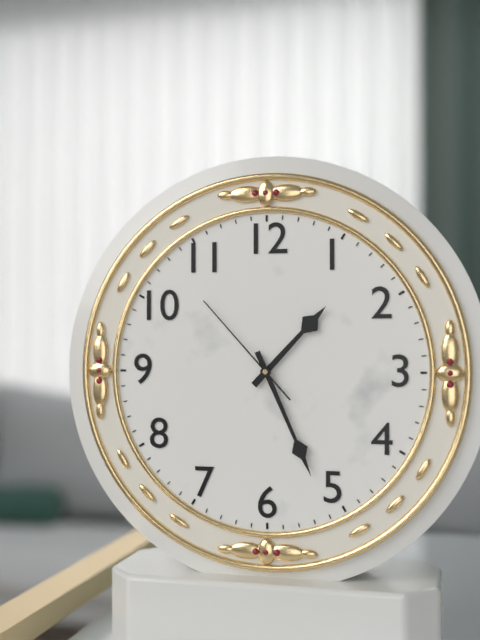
**1:26:53**
